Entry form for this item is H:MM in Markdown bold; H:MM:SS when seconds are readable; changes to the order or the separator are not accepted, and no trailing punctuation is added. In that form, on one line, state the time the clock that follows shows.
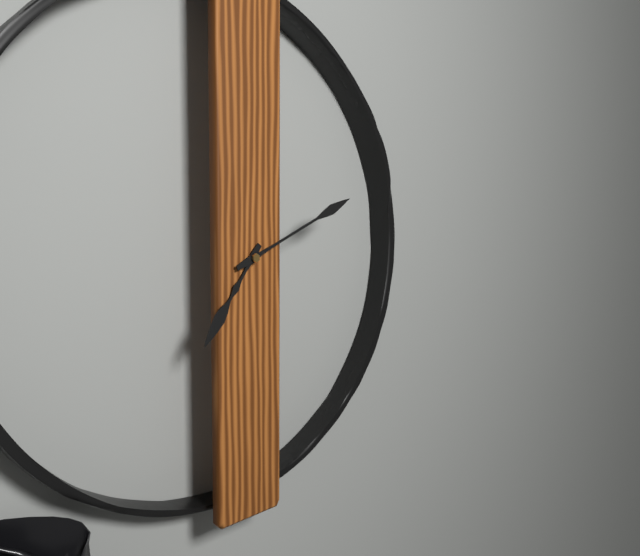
**7:11**
